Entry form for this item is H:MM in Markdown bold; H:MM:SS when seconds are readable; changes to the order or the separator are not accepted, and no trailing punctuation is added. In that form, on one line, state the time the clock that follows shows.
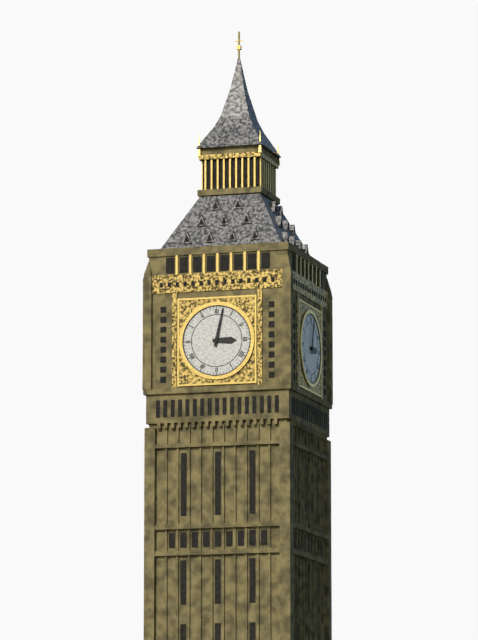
**3:02**
